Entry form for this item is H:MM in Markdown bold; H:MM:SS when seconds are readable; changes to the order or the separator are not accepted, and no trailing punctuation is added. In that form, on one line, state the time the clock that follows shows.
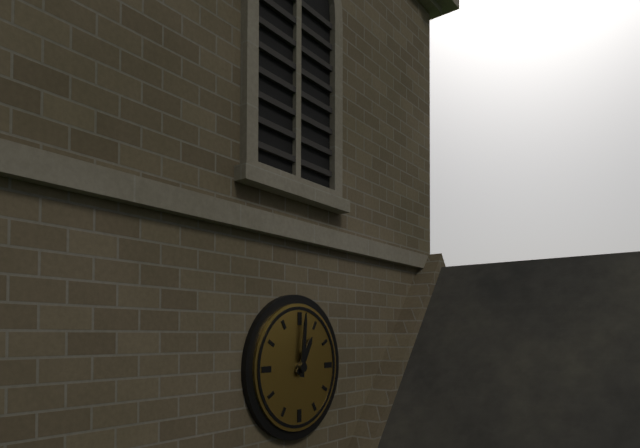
**1:01**
